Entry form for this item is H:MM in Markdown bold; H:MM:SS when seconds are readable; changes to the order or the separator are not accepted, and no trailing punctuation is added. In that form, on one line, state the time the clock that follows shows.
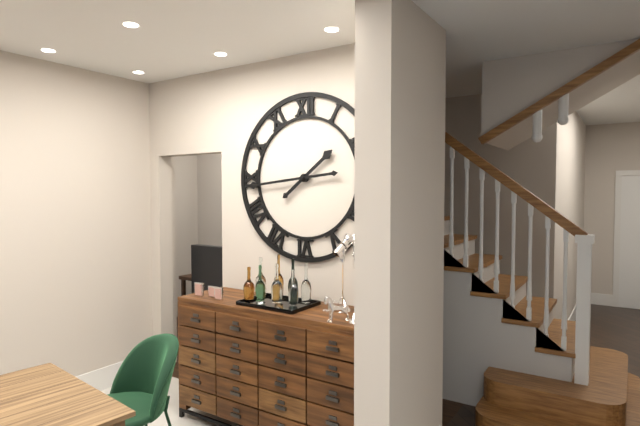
**1:44**
